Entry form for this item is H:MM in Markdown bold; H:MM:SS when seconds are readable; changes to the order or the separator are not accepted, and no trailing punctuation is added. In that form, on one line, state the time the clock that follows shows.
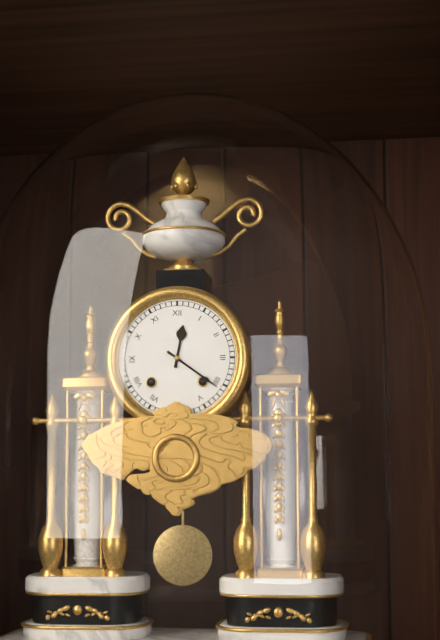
**12:21**
